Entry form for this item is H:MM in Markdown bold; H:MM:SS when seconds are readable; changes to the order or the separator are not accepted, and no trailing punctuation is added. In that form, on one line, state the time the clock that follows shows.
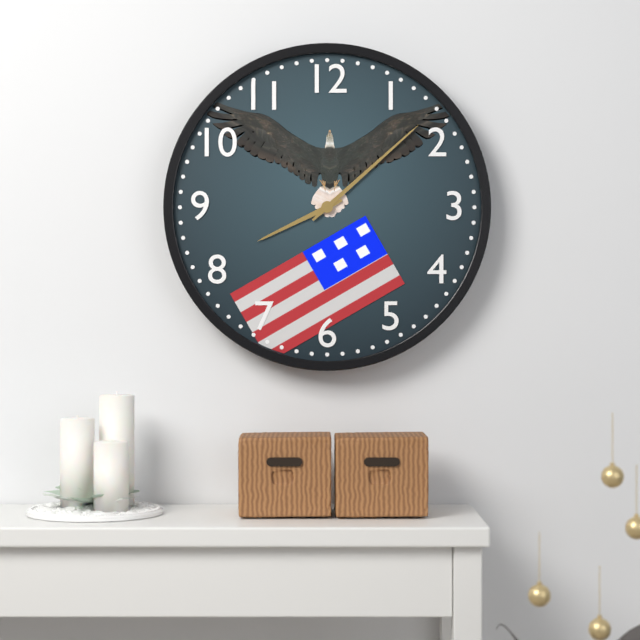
**8:08**
